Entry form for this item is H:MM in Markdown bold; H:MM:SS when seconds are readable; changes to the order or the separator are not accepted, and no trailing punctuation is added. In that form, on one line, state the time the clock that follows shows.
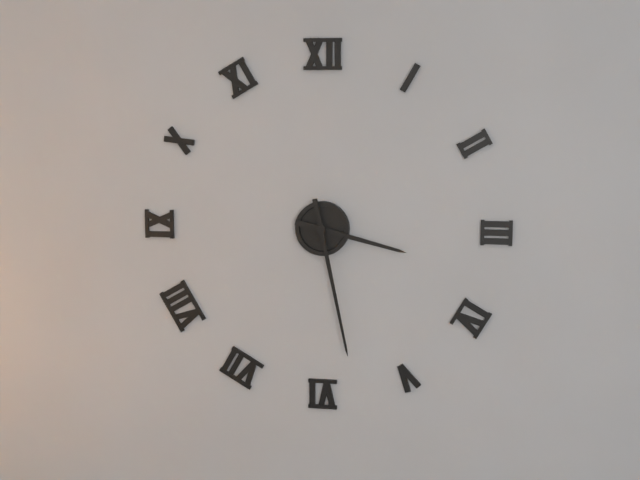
**3:28**
